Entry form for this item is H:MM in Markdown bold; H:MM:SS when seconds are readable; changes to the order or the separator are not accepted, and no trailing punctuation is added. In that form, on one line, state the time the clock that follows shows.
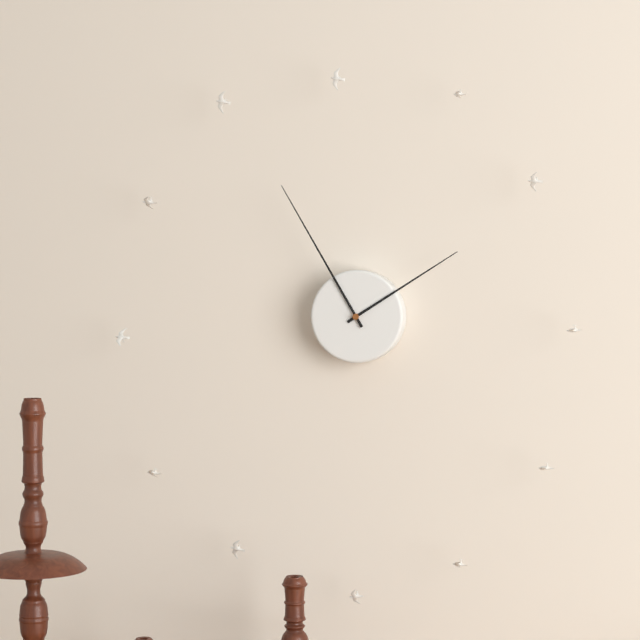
**1:55**
